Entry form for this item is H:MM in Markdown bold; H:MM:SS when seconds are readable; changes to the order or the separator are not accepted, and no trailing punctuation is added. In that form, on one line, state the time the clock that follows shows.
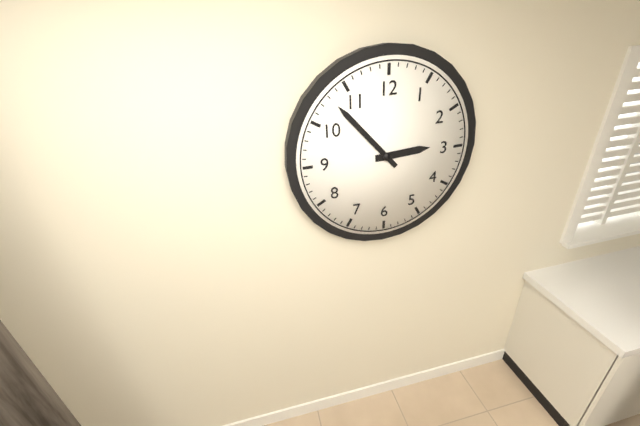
**2:53**
